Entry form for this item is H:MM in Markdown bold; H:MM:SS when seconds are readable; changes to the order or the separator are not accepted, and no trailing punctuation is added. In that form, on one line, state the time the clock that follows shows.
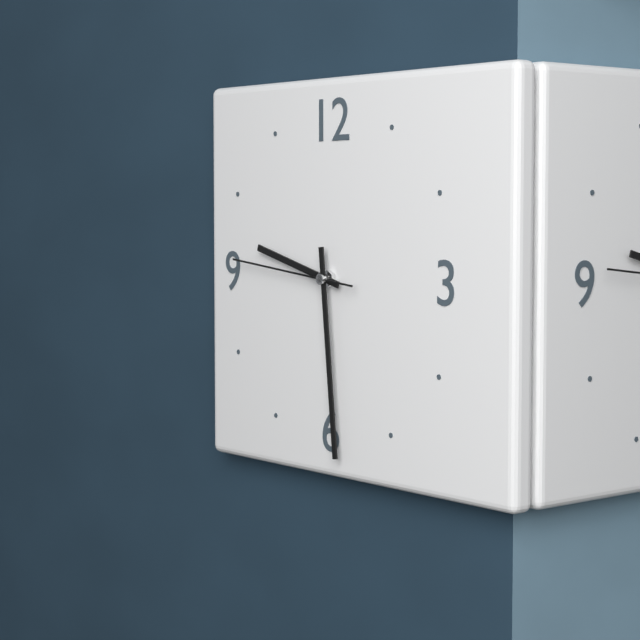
**9:29:46**
